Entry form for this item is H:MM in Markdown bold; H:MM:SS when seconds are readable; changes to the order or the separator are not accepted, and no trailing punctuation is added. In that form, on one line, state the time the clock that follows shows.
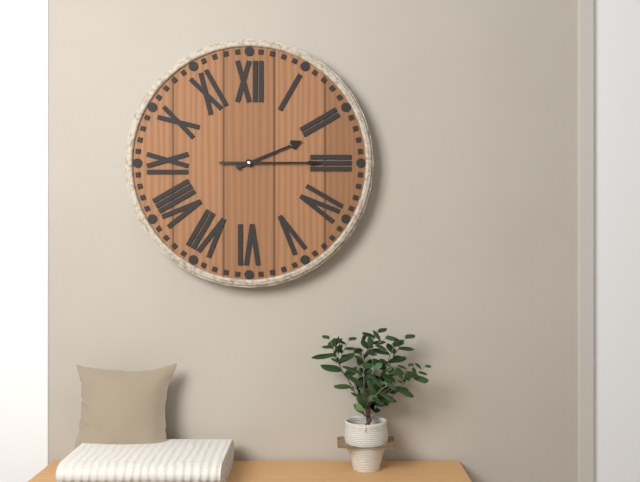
**2:15**
